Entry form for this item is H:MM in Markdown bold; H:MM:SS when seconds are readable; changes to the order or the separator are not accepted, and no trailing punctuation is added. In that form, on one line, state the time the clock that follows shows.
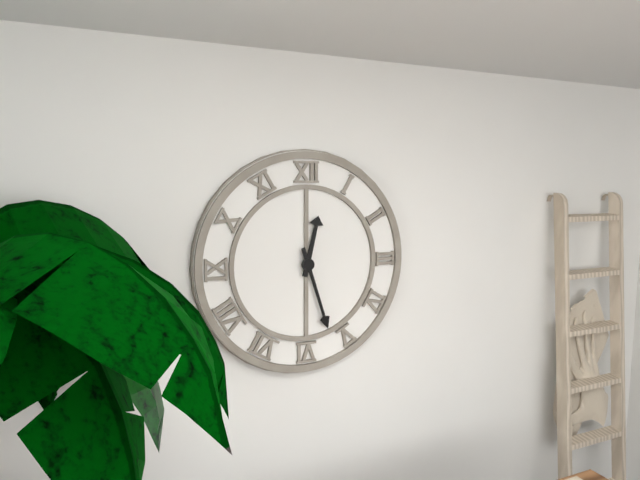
**12:27**
